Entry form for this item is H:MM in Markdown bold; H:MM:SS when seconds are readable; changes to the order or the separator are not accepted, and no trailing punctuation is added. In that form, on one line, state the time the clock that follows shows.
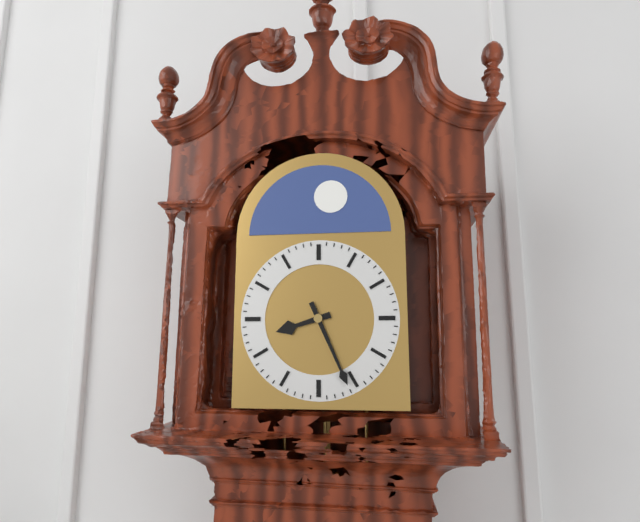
**8:26**
